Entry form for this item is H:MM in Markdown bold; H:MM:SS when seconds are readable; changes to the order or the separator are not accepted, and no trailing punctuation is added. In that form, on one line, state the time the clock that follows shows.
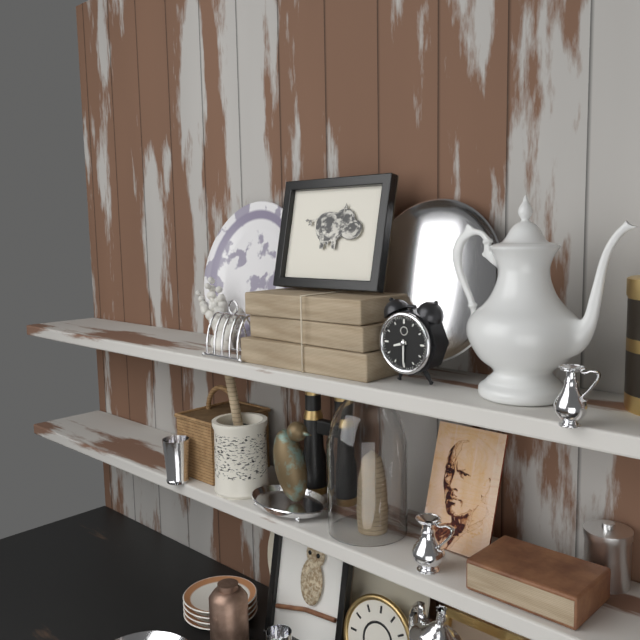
**8:30**
